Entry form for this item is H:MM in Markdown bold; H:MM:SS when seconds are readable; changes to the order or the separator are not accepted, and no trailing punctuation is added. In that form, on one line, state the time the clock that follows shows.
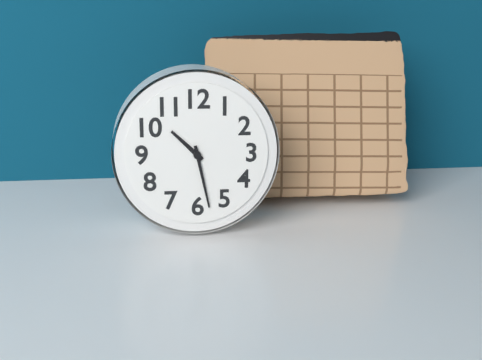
**10:28**
